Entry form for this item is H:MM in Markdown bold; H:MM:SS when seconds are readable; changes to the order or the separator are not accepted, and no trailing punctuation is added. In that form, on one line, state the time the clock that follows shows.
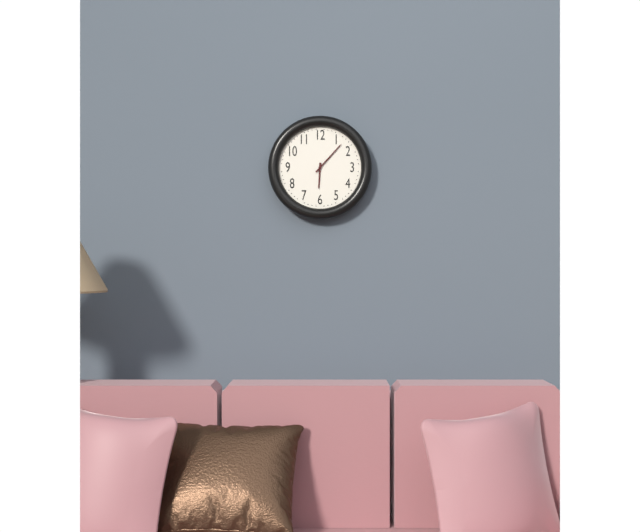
**6:07**
